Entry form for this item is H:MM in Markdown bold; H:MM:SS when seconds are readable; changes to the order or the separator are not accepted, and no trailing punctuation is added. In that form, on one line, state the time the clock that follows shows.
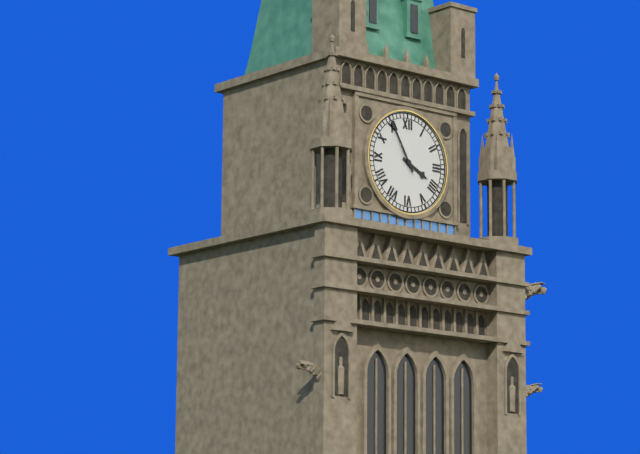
**3:55**
